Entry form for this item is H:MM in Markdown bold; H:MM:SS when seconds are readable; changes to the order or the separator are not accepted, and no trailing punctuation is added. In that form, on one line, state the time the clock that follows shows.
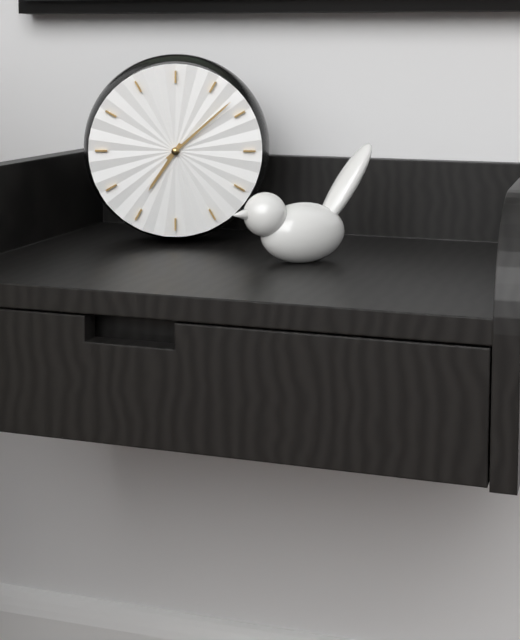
**7:08**
